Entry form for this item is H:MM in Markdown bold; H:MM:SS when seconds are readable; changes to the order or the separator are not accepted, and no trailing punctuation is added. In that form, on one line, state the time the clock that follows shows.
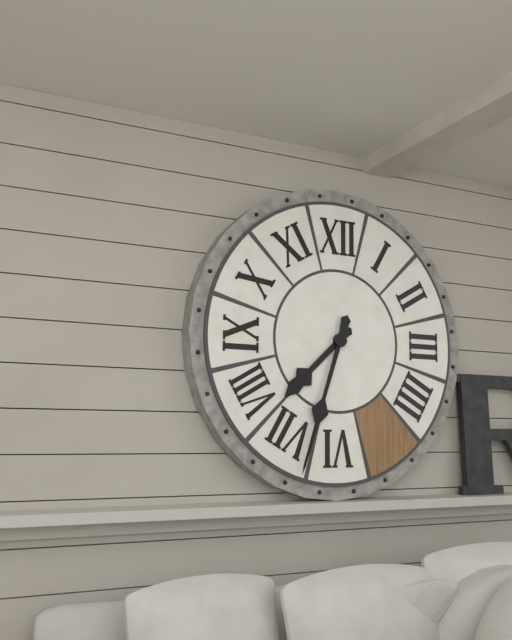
**7:33**
